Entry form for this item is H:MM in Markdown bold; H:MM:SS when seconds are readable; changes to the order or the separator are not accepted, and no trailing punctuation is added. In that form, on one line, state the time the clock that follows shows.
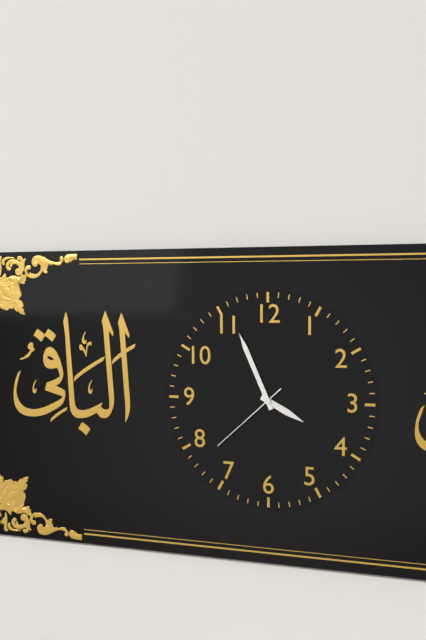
**3:56:38**
